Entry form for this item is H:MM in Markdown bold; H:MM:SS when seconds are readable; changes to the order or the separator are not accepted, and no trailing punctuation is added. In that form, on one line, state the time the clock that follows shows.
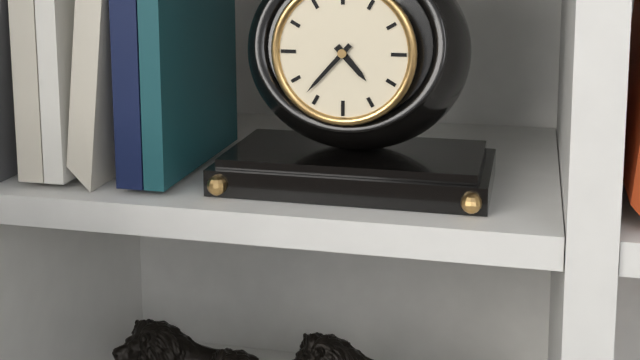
**4:37**
